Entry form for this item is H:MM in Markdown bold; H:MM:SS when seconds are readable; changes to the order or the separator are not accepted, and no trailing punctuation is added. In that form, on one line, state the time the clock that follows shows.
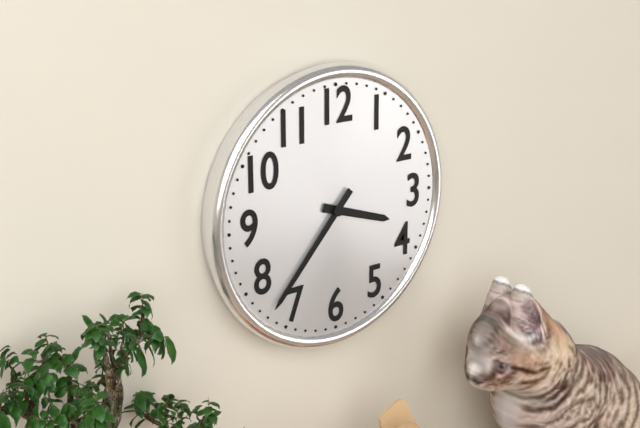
**3:37**
